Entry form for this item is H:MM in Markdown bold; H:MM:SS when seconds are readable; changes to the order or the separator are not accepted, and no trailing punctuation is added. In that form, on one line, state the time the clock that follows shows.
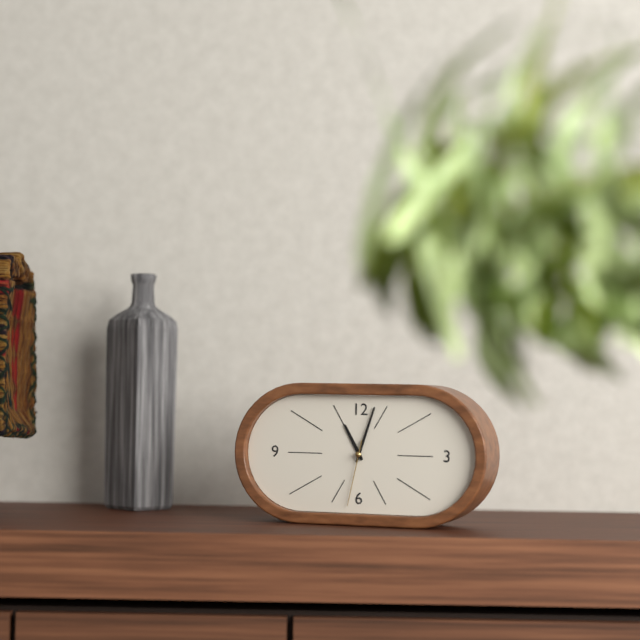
**11:03:32**
